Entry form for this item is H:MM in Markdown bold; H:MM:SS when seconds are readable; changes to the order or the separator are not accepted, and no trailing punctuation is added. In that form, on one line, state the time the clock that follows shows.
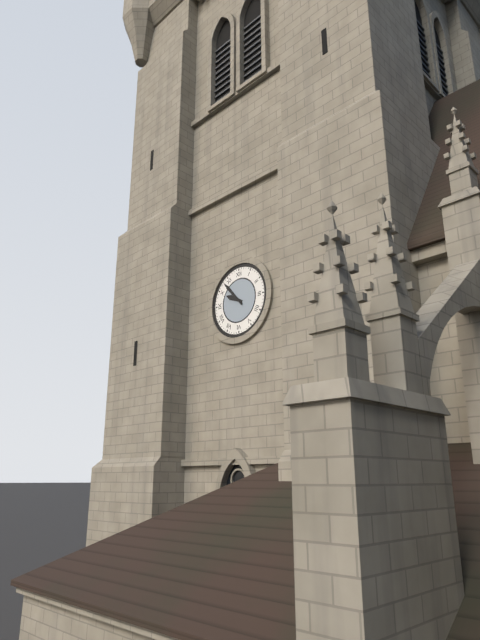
**9:53**
